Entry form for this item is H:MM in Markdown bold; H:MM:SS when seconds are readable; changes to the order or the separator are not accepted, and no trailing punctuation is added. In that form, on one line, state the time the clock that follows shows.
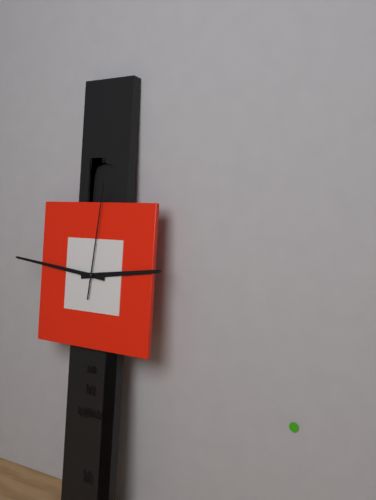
**2:46:01**
